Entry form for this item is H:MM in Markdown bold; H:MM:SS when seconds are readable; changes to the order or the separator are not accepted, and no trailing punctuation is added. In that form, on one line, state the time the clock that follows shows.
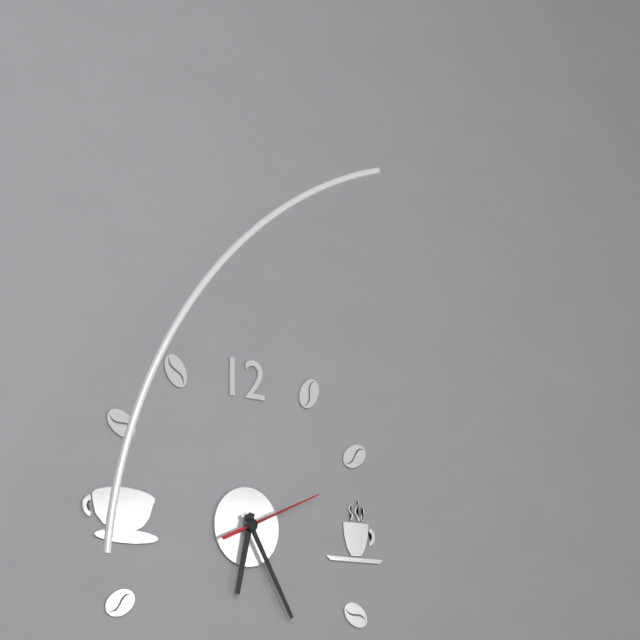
**6:25:11**
